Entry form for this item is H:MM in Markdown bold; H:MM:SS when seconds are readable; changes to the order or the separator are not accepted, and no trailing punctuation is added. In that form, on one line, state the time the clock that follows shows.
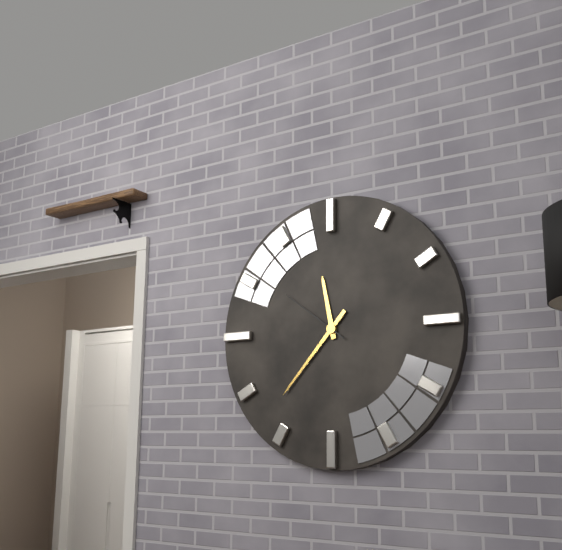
**11:37:51**
